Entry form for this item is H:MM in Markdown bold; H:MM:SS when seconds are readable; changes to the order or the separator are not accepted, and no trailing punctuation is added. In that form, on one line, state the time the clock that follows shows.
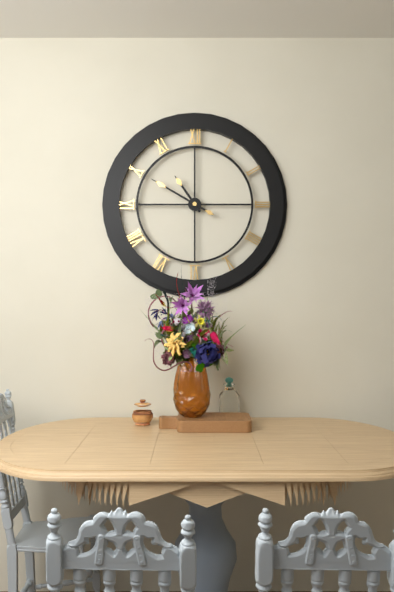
**10:50**
